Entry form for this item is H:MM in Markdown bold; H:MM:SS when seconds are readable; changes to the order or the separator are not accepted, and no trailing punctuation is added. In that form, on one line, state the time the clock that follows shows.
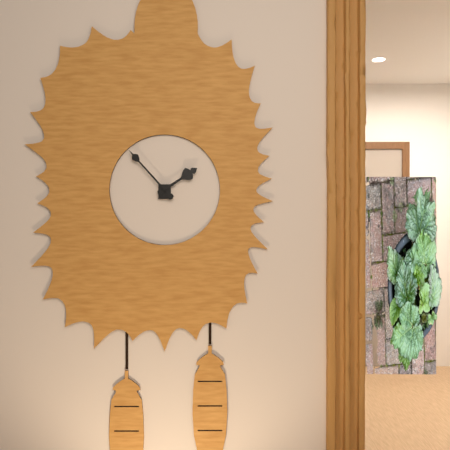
**1:53**
